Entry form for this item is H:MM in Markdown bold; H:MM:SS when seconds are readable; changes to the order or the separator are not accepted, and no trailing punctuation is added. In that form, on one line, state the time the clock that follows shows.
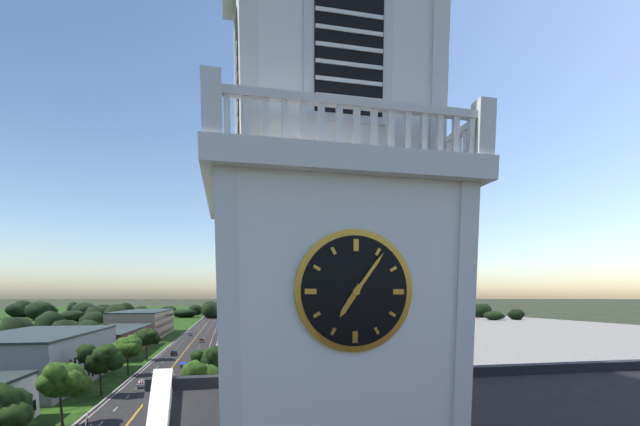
**7:06**
